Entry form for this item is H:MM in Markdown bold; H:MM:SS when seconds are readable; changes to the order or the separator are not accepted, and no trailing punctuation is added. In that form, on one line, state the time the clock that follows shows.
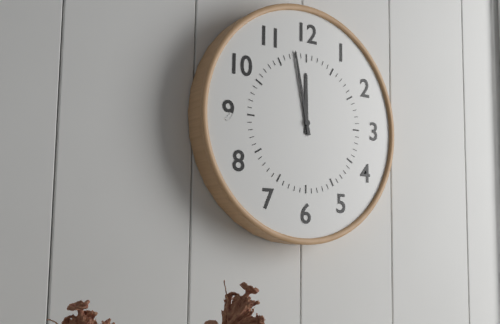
**11:58**
